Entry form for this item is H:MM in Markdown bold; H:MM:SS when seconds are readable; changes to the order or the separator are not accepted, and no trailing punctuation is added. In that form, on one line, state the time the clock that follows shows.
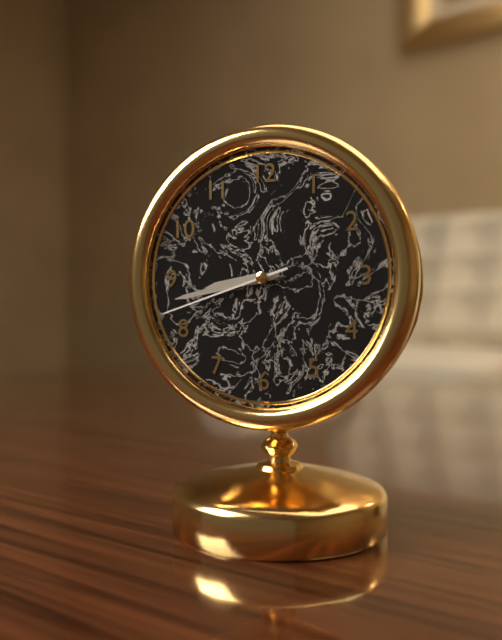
**8:43:42**
